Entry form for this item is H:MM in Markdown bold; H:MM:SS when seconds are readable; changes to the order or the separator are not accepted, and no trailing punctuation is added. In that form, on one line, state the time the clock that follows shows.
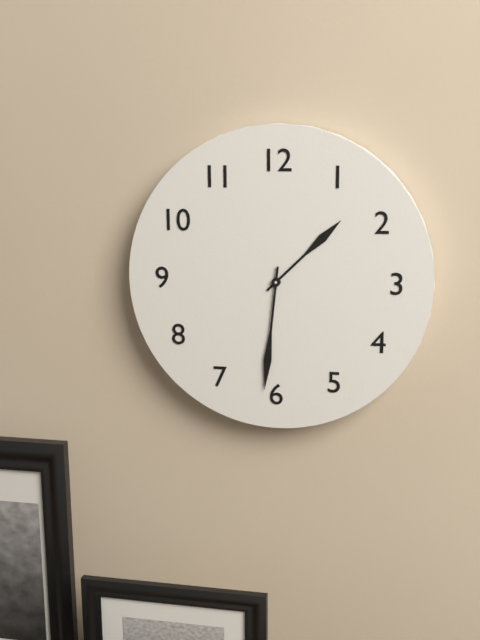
**1:31**
